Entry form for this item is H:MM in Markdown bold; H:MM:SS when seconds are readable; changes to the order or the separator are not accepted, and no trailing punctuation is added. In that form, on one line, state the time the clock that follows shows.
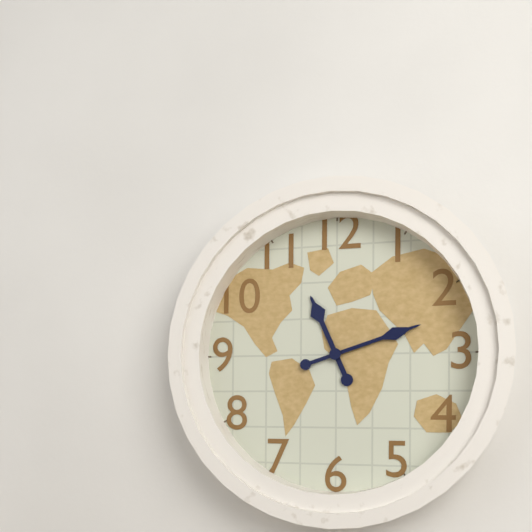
**11:12**
